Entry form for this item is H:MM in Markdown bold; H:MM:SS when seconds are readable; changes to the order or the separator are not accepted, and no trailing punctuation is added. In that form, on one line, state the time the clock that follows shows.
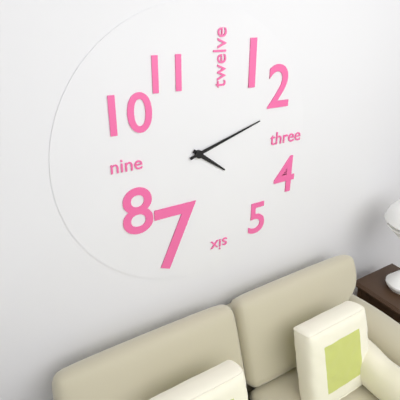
**4:12**
